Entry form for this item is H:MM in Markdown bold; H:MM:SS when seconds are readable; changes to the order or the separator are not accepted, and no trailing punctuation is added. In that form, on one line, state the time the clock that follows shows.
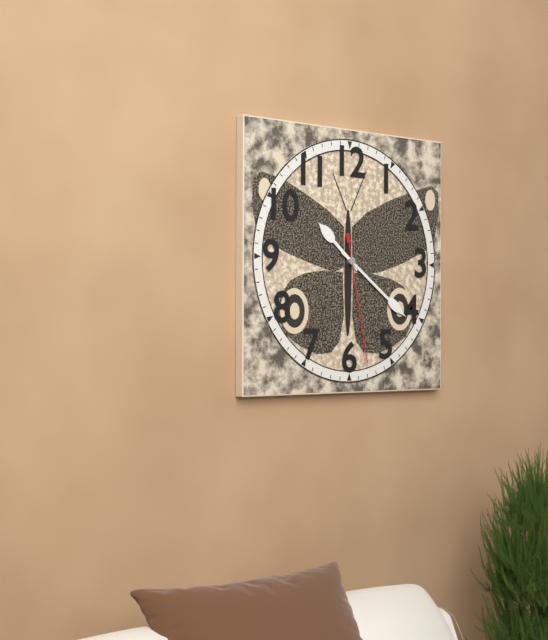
**10:21:28**
